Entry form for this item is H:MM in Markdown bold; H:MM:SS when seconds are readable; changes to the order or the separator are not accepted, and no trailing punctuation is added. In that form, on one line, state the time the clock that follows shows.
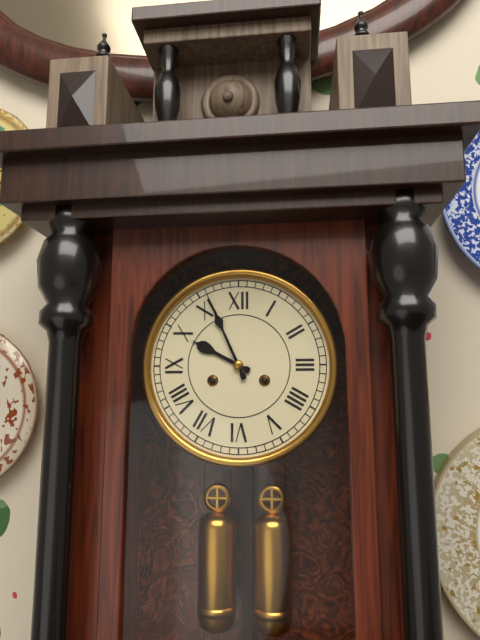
**9:56**
